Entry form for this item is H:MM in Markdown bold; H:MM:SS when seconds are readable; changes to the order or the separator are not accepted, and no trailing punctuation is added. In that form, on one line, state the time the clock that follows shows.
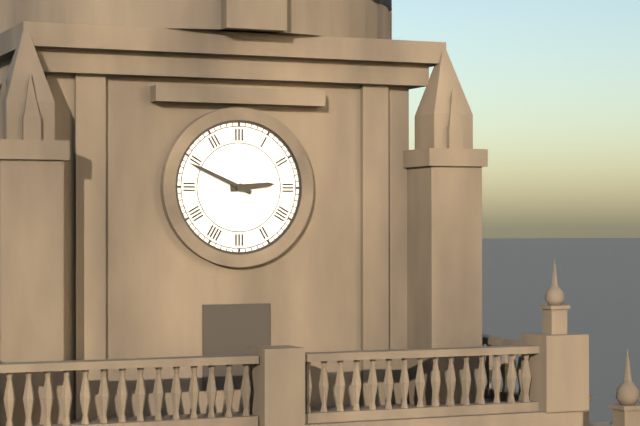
**2:49**
